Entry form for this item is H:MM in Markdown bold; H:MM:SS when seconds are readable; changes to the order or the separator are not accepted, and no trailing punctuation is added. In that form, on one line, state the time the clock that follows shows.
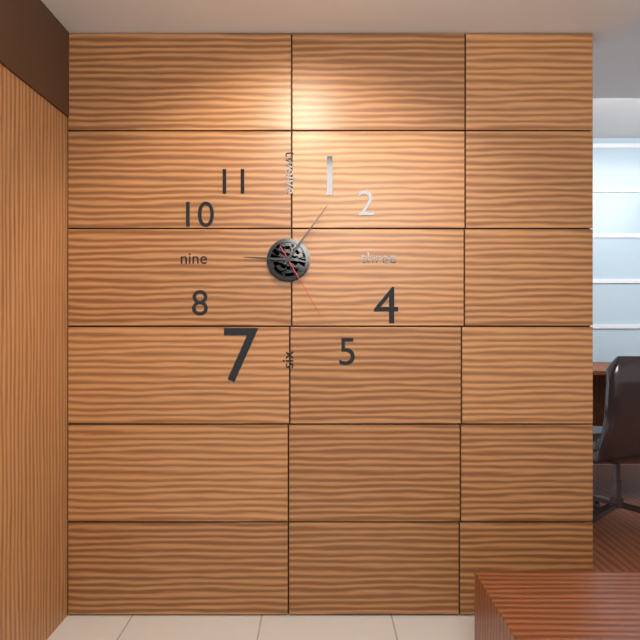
**9:06:25**
